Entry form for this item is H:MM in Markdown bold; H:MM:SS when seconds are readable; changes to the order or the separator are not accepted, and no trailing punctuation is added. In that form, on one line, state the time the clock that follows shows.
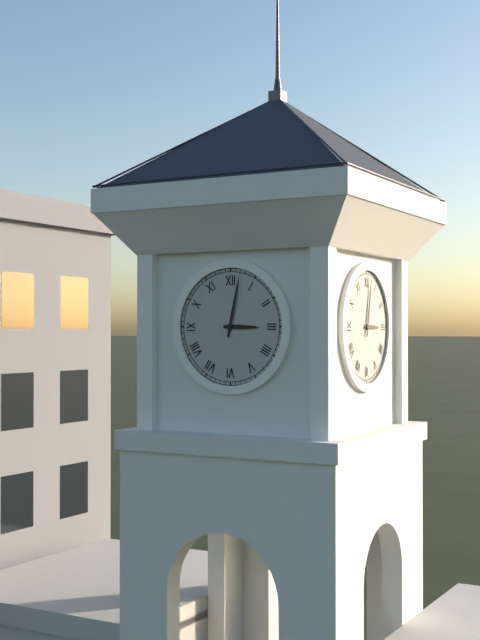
**3:02**
